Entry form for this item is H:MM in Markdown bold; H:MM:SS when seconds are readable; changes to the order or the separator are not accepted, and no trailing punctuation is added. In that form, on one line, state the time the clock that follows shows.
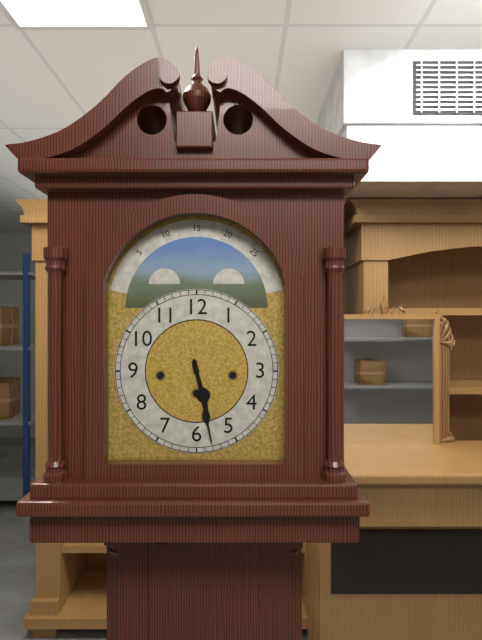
**5:28**
